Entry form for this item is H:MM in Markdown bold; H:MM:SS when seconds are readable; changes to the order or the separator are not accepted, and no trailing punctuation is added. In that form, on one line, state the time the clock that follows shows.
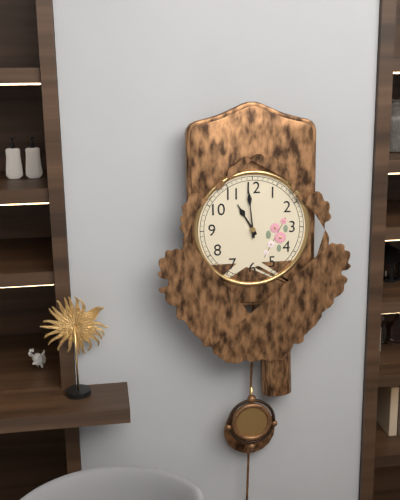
**10:59**
